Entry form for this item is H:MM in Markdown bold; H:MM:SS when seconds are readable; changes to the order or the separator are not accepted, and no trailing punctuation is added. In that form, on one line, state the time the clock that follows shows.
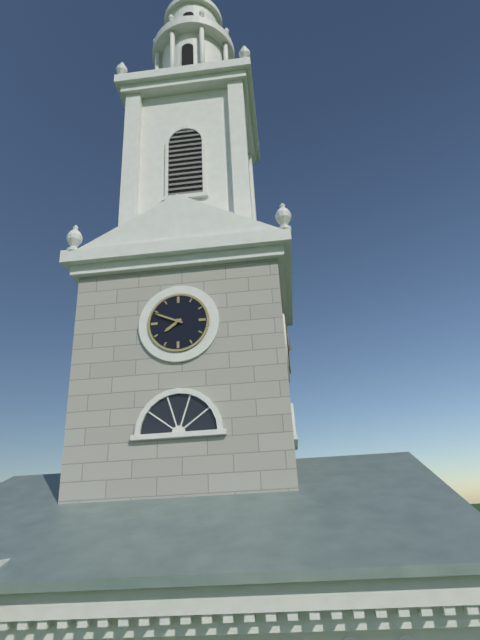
**7:49**
